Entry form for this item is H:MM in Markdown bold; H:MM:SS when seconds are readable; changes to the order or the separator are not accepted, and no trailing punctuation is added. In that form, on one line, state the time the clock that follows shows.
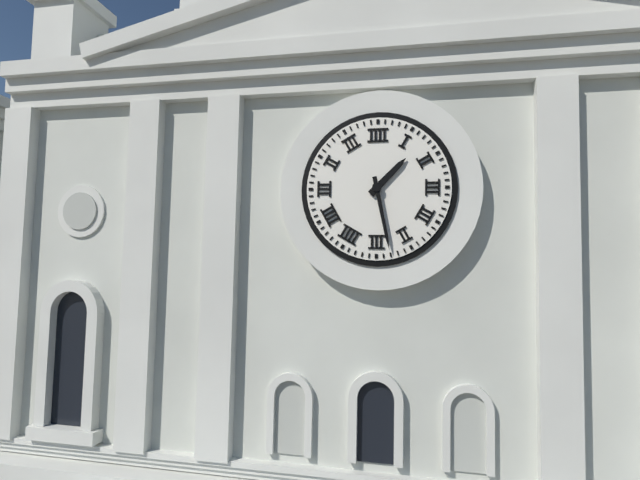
**1:28**
